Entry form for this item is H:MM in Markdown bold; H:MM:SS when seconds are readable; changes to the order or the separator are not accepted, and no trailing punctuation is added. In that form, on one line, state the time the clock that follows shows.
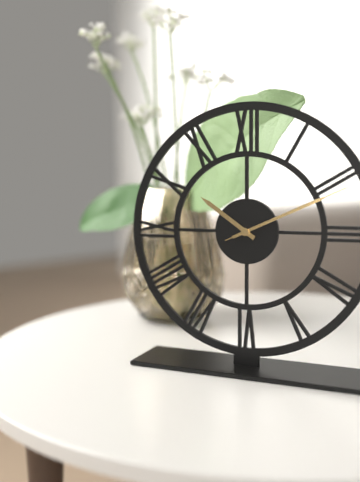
**10:11:11**
